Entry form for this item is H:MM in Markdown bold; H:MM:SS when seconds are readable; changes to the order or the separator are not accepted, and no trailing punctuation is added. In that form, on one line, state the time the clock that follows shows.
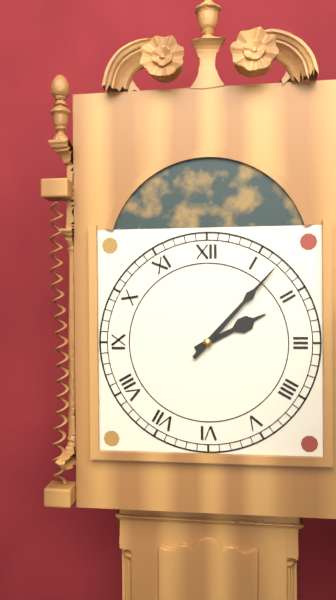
**2:07**
